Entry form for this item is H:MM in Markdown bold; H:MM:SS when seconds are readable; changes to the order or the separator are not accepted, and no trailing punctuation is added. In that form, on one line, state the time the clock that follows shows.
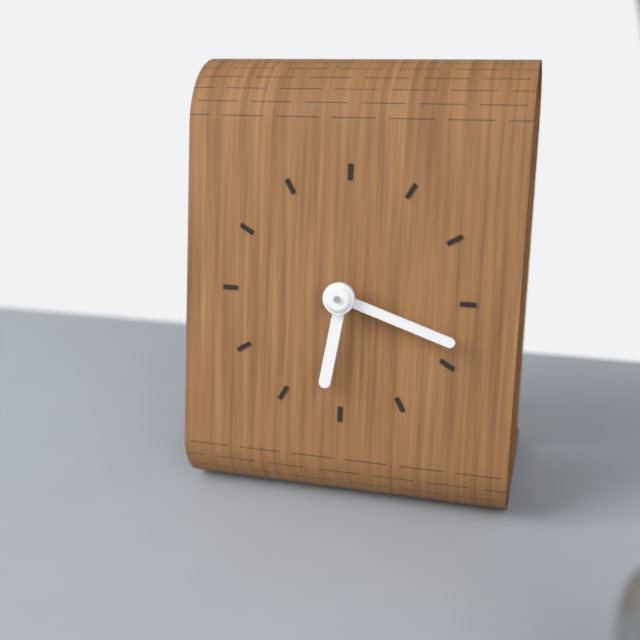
**6:18**
